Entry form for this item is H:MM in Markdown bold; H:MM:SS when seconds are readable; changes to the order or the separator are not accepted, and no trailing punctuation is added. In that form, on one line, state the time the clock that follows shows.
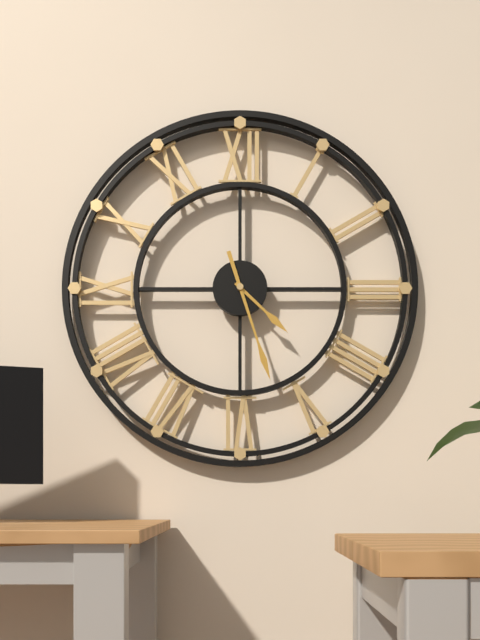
**4:27**
